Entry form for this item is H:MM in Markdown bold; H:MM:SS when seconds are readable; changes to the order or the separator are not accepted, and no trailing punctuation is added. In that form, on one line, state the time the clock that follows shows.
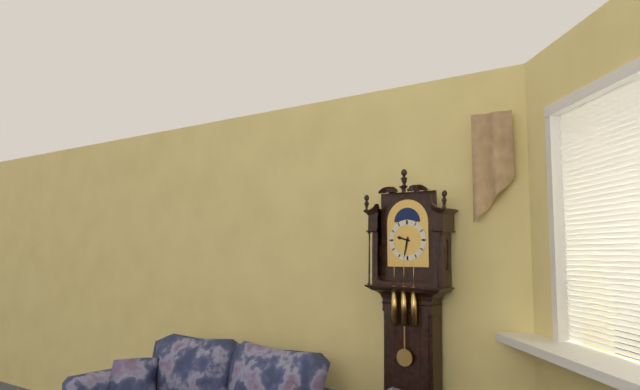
**9:32**
